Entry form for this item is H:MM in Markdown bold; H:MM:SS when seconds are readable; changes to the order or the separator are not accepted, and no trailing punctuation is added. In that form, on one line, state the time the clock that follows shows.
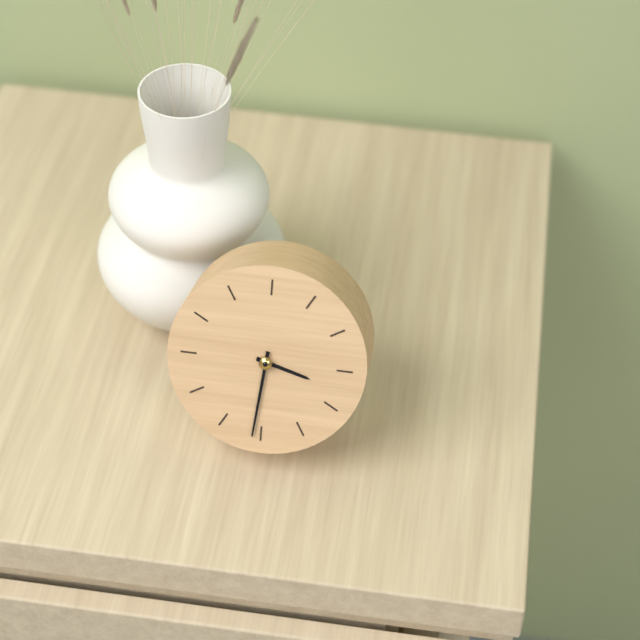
**3:31**
